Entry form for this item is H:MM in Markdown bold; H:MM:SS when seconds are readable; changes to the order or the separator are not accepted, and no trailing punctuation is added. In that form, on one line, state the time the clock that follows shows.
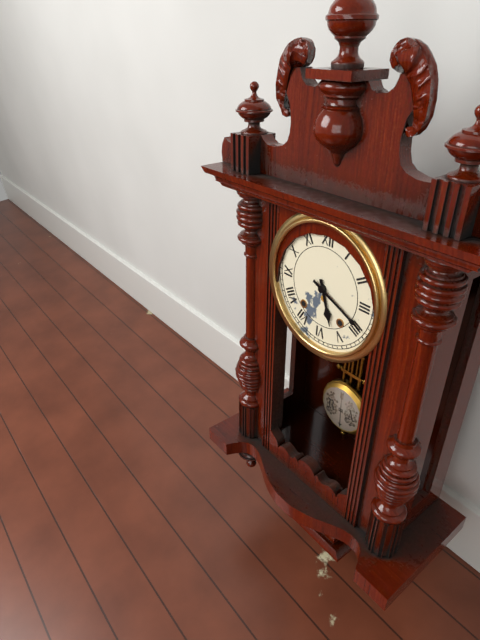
**5:19**
